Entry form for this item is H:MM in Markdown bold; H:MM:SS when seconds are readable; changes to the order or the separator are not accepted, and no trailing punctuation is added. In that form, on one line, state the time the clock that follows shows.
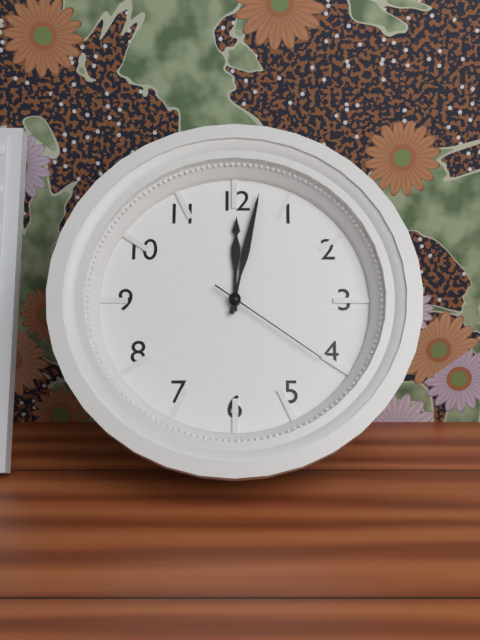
**12:02:21**
